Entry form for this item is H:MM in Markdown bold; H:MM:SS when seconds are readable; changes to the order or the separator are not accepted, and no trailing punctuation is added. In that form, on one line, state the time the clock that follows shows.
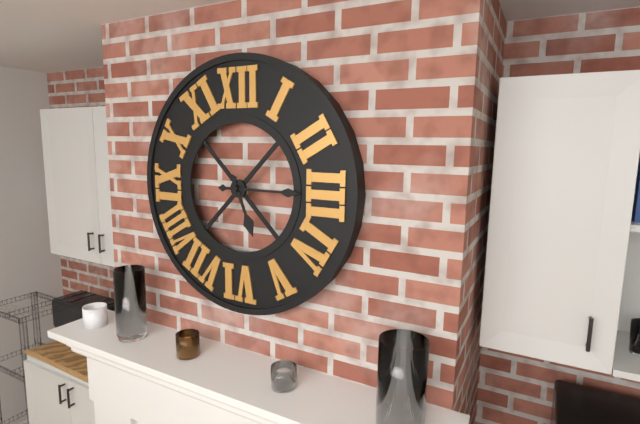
**5:15**
